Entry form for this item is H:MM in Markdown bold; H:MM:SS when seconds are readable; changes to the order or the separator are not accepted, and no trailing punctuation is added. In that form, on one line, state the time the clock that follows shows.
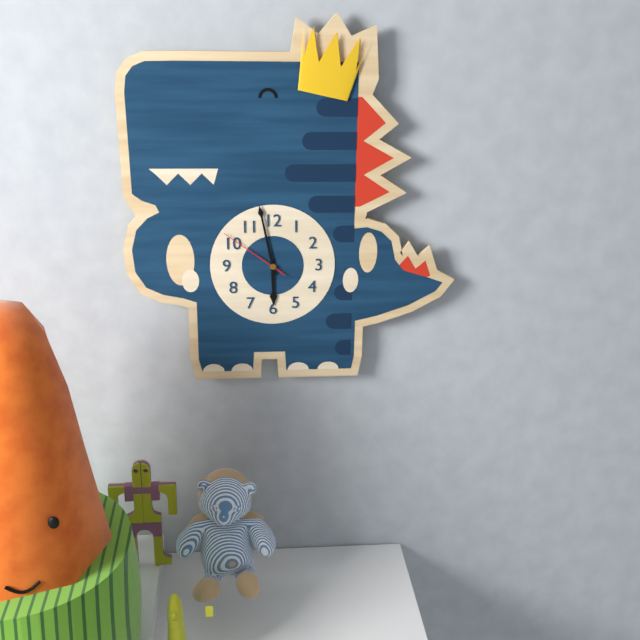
**5:58:51**
